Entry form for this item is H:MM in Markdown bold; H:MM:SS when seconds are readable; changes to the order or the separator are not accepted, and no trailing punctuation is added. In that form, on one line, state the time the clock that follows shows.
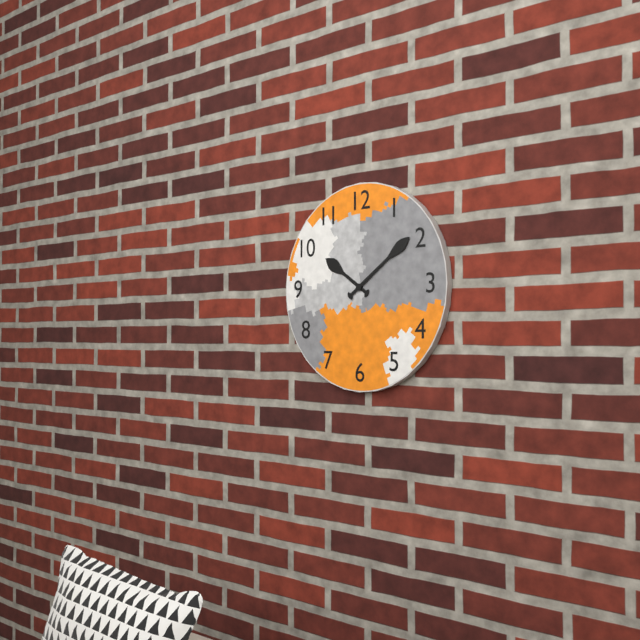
**10:09**
